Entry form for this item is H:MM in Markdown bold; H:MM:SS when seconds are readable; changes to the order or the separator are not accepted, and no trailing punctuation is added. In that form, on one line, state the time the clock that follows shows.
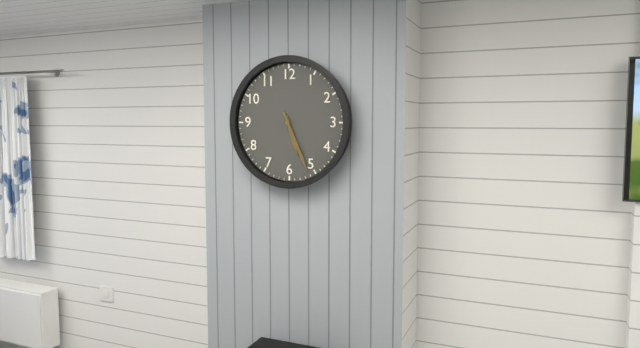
**5:26**
